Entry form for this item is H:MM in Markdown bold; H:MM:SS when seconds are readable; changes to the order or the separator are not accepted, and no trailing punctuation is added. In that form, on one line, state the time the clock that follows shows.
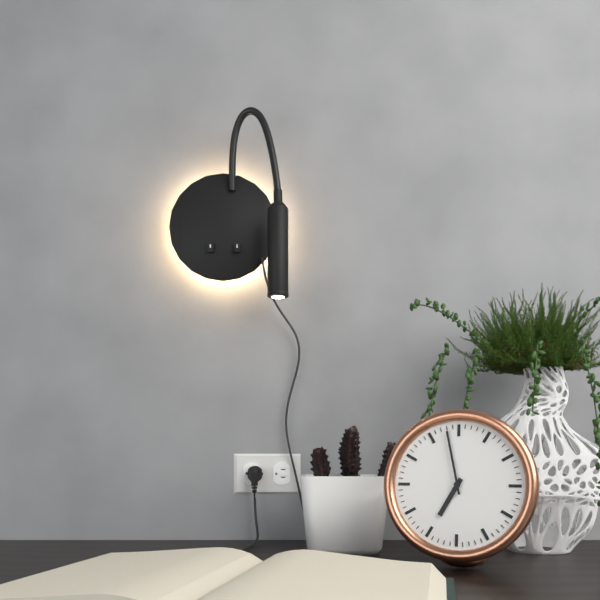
**6:58**
